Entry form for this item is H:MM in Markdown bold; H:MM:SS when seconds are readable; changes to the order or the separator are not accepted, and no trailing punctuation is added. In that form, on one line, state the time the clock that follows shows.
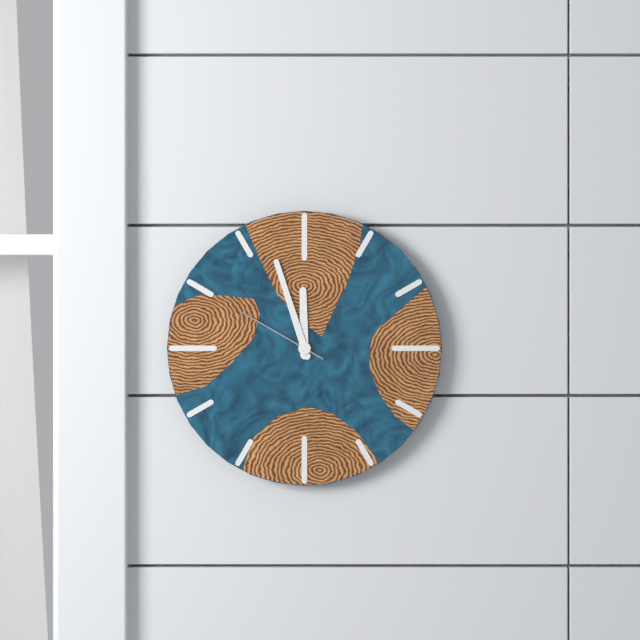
**11:57:50**
